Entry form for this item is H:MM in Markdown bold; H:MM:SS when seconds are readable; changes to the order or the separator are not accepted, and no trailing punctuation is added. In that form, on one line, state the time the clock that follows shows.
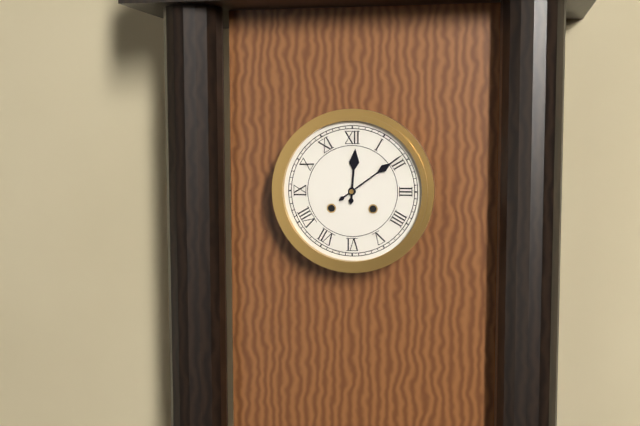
**12:09**
